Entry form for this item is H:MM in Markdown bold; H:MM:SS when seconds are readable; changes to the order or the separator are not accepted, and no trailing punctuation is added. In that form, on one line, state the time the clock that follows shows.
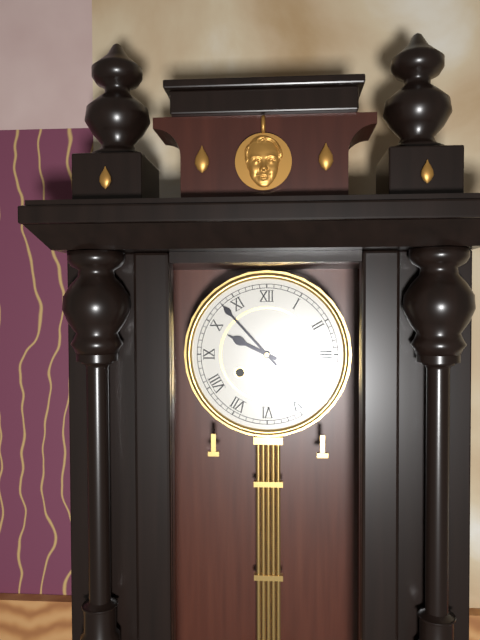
**9:53**
